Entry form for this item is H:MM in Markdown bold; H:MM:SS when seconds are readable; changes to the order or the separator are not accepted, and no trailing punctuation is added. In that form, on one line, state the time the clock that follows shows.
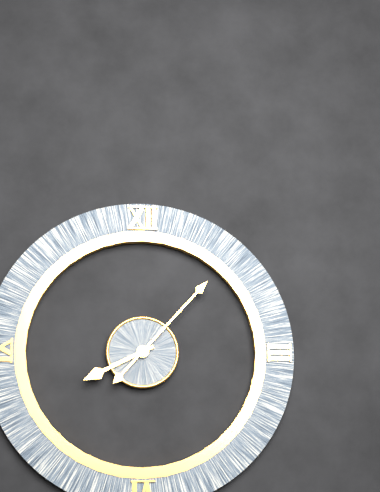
**8:07**
